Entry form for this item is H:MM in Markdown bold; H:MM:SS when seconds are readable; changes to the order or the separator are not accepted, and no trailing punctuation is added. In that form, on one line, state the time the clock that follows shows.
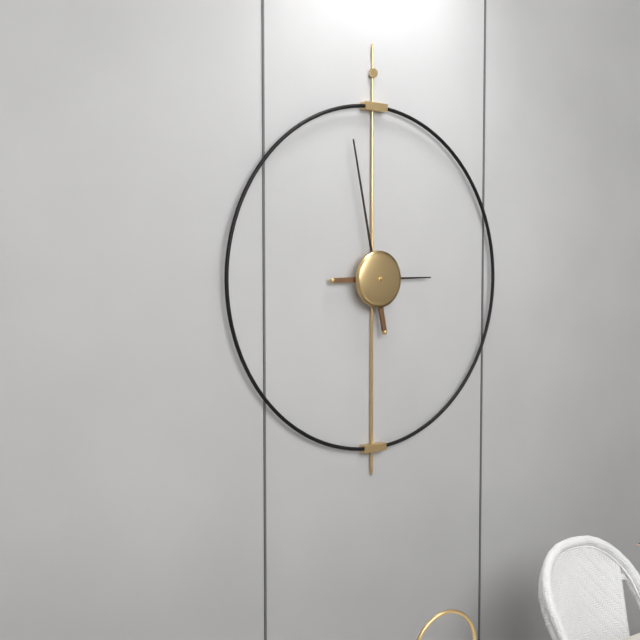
**2:58**
